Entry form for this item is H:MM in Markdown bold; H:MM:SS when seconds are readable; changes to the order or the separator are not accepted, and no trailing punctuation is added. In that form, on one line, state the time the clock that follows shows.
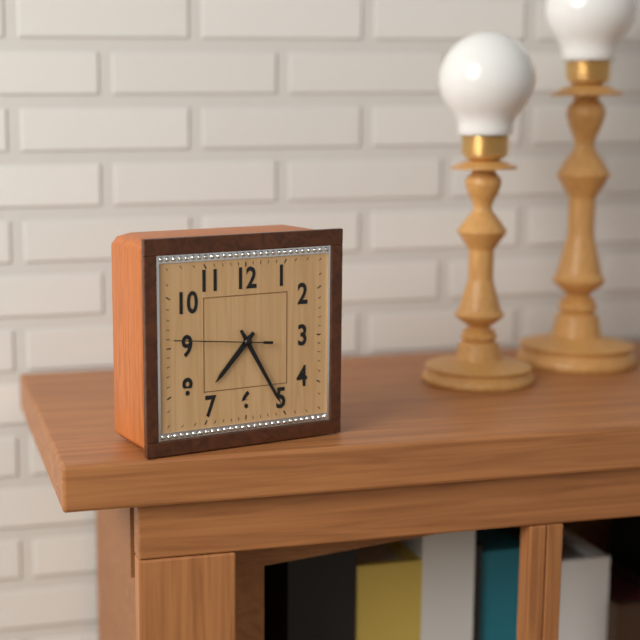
**7:25:46**
